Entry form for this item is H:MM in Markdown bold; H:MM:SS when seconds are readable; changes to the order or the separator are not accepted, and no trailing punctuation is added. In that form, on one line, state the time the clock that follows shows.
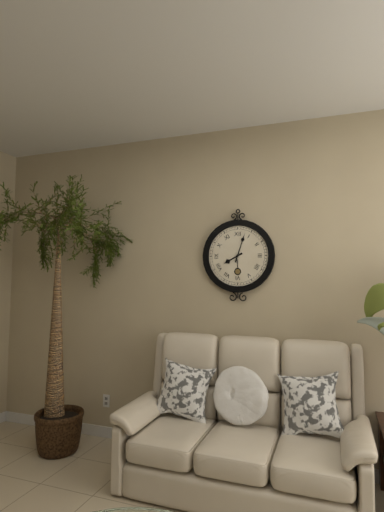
**8:03**
